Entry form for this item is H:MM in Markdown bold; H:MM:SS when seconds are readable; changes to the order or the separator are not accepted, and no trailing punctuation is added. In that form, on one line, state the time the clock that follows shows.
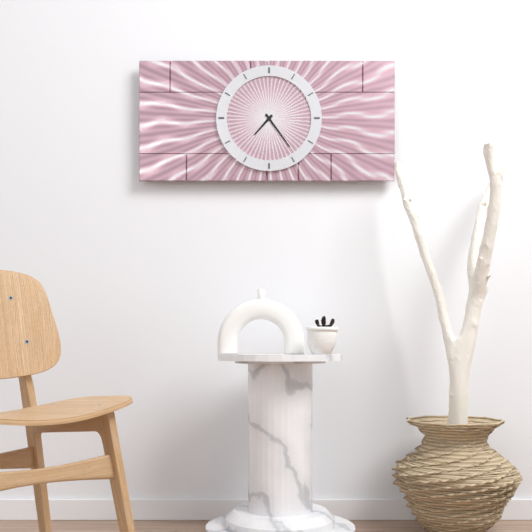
**7:24**
